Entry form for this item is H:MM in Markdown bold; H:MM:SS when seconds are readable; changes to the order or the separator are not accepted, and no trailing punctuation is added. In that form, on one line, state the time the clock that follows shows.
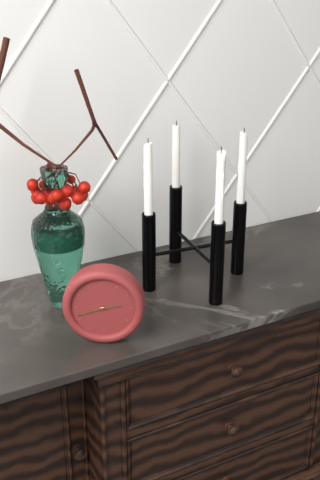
**2:42**
